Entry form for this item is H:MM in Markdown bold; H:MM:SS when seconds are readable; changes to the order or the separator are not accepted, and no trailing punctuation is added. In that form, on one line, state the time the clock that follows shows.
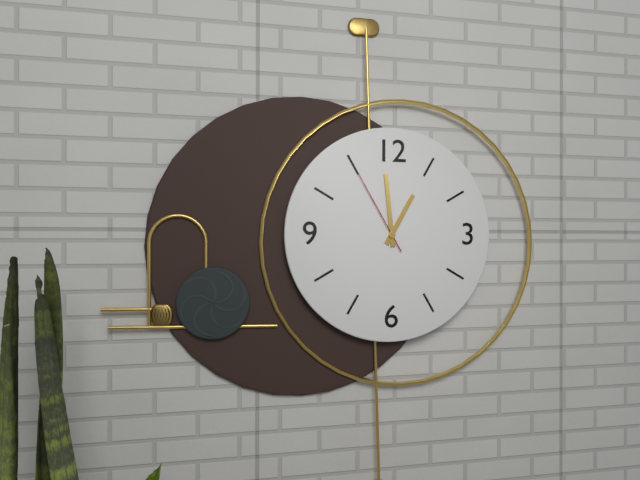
**12:59:55**
